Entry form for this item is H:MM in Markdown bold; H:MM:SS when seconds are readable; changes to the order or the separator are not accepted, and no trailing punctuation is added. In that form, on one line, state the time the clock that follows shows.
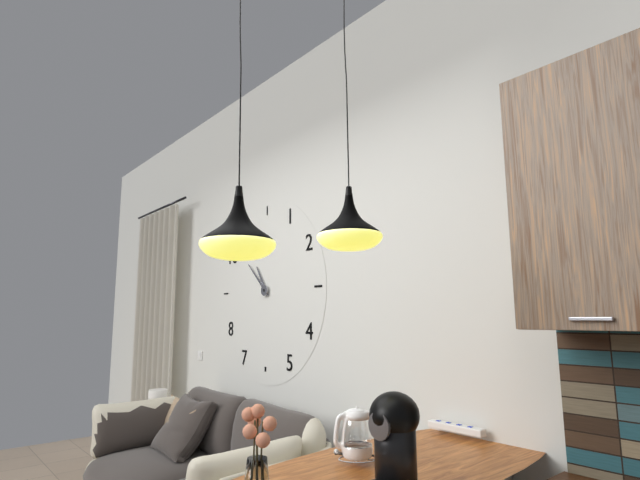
**10:52**
